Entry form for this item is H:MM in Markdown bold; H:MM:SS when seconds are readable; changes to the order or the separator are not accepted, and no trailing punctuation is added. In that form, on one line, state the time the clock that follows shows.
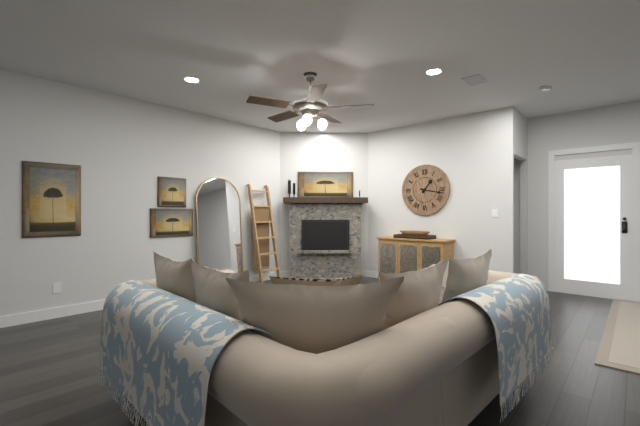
**1:17**
